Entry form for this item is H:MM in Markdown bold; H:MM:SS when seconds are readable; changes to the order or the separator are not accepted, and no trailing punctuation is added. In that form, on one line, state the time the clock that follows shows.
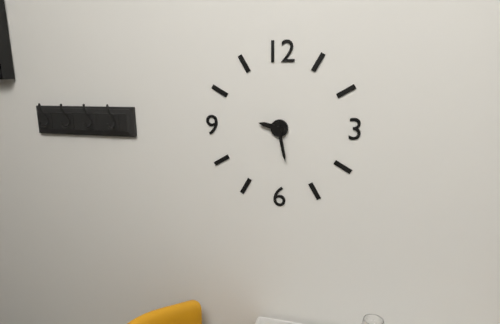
**9:28**
